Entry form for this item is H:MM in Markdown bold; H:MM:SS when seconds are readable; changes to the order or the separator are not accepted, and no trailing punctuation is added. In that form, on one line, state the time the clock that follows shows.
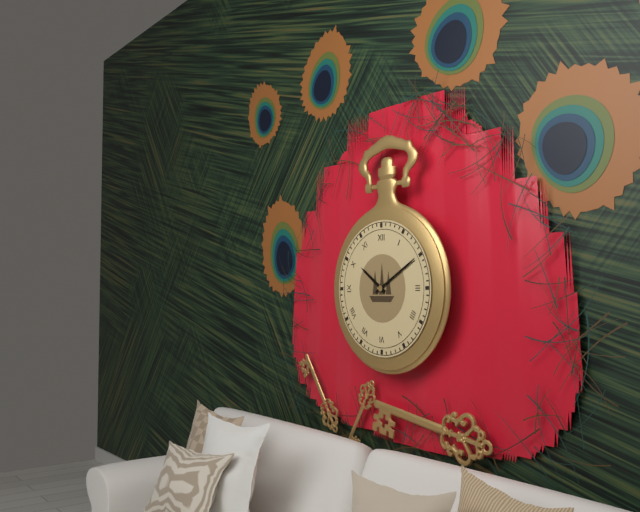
**10:10**
